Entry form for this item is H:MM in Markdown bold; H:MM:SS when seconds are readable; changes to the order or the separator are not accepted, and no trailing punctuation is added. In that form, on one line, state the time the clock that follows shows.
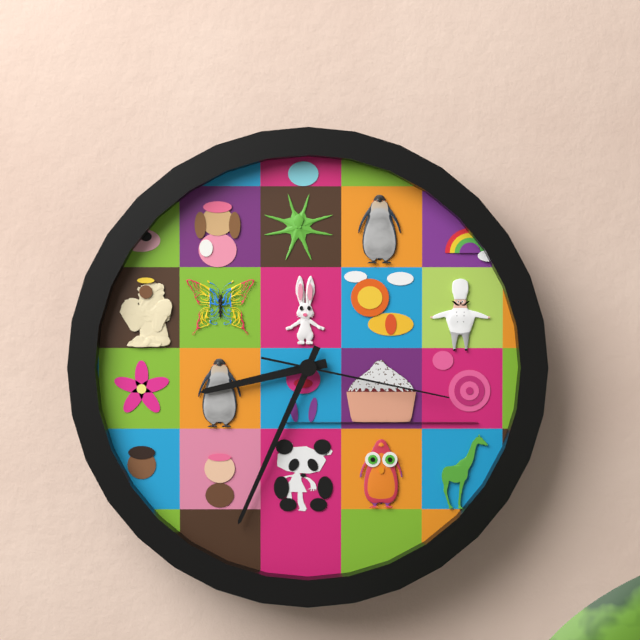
**8:34:17**
